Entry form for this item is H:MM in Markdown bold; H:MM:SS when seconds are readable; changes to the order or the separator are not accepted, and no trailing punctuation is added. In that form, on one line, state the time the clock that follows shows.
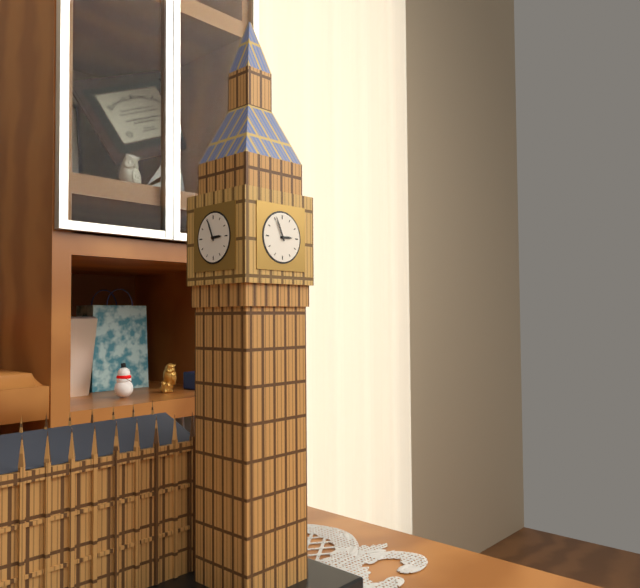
**2:56**
